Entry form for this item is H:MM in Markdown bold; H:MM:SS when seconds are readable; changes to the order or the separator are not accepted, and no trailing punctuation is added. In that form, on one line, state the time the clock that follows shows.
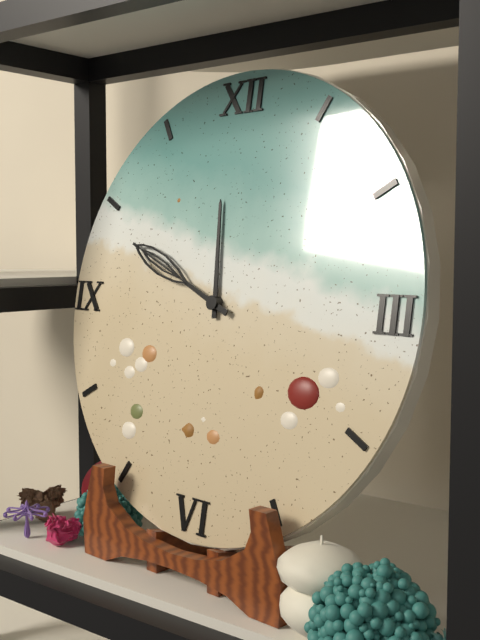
**11:49**
